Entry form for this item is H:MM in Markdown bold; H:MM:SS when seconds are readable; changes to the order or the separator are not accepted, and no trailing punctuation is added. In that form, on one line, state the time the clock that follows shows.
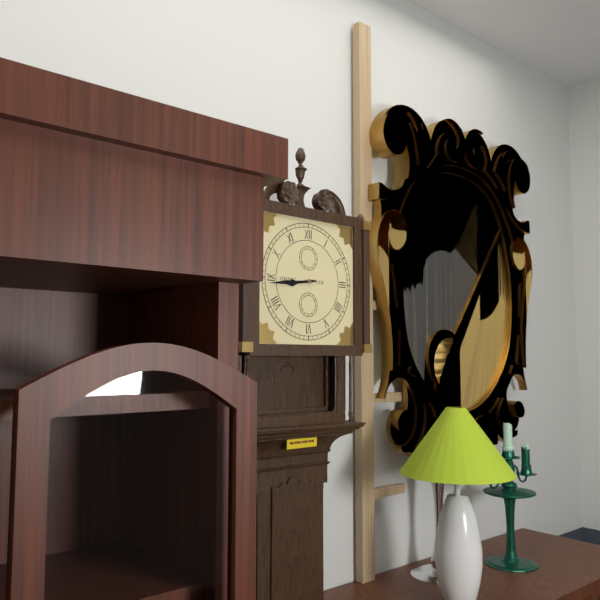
**8:44**
